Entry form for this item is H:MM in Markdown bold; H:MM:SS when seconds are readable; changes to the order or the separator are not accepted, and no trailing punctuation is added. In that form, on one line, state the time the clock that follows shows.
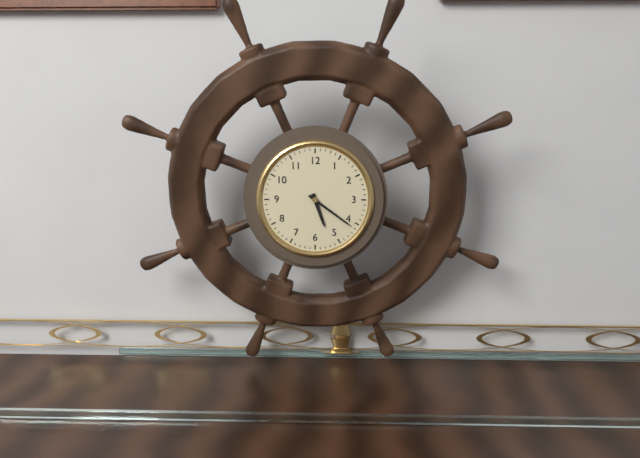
**5:21**
